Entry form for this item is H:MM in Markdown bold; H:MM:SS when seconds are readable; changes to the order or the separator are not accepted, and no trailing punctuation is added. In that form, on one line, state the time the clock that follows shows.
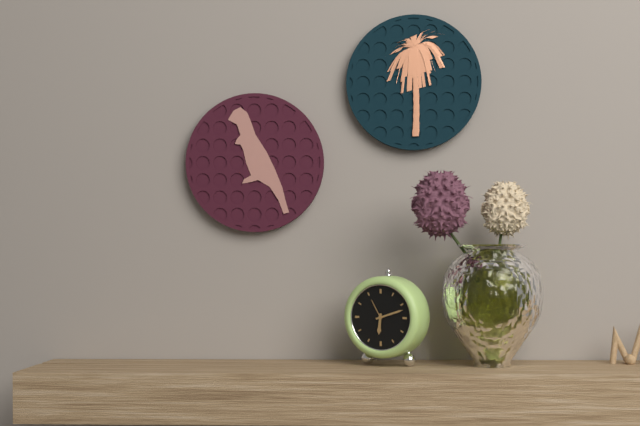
**6:12**
